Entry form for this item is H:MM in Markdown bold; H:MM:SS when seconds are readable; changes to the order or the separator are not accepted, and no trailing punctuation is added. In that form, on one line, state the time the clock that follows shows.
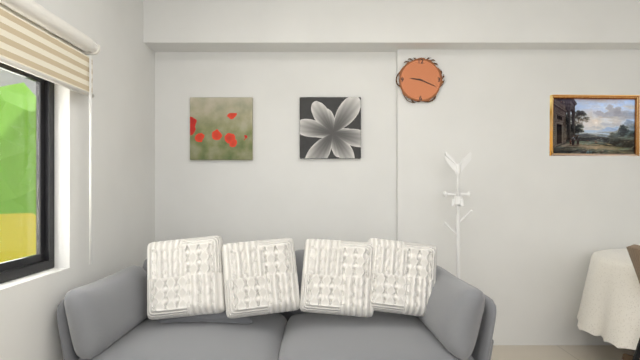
**9:19**
